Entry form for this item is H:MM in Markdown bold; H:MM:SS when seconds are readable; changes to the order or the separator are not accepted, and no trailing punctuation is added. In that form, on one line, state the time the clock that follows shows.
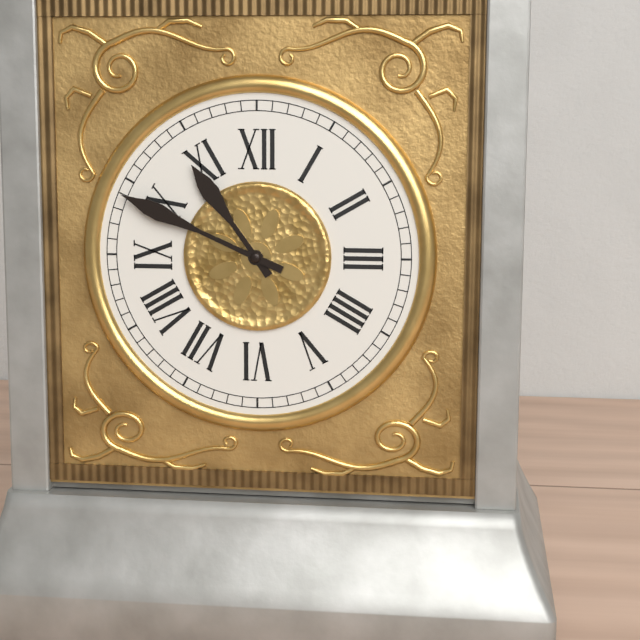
**10:49**
